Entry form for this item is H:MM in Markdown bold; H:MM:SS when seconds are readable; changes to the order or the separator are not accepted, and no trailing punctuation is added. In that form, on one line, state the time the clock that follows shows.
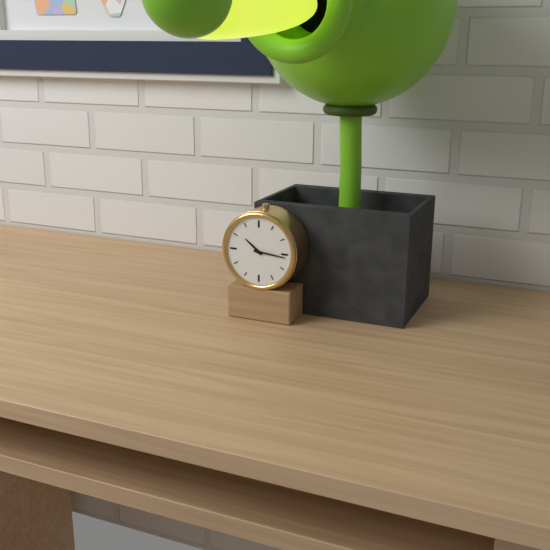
**10:16**
